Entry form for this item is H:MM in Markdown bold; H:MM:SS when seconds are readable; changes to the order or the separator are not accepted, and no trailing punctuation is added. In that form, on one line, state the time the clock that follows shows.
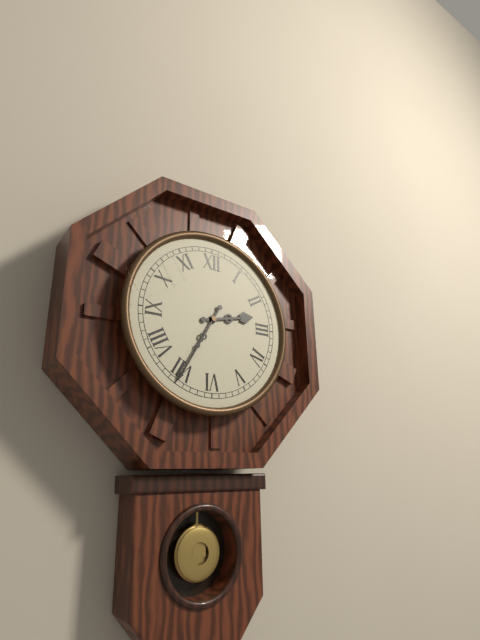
**2:35**
